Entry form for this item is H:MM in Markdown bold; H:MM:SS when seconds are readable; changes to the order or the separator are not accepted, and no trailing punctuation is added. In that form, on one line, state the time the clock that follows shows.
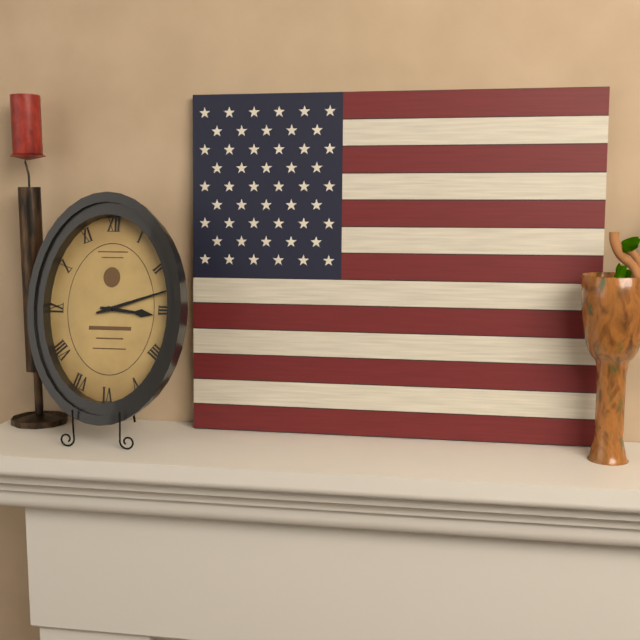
**3:12**
